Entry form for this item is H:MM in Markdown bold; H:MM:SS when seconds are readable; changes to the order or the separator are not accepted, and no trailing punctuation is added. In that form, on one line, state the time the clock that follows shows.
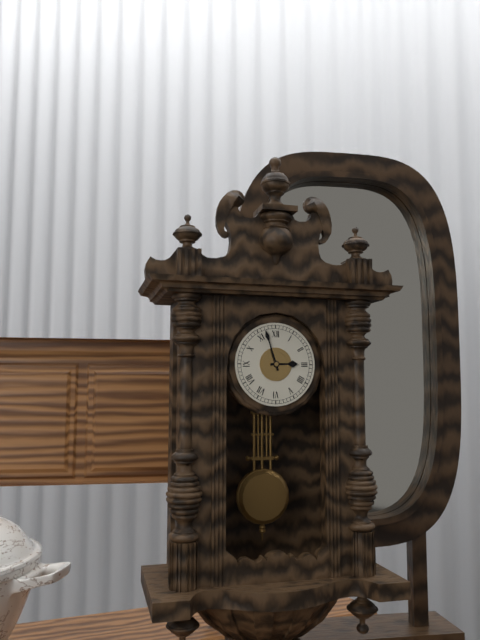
**2:57**
